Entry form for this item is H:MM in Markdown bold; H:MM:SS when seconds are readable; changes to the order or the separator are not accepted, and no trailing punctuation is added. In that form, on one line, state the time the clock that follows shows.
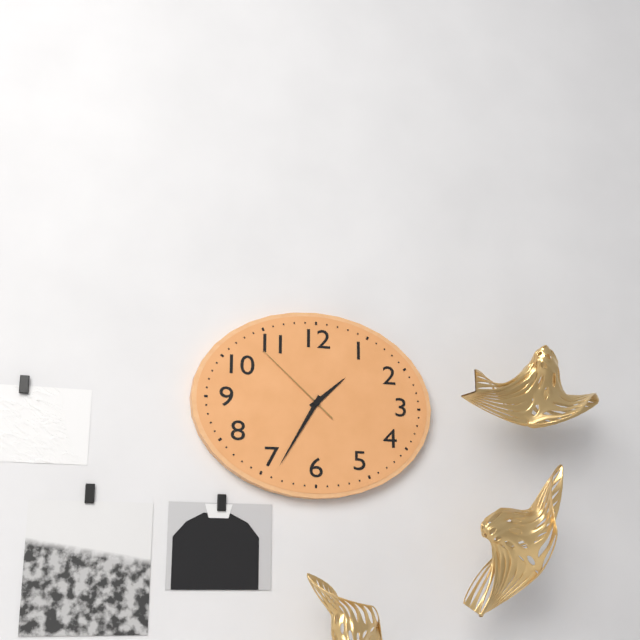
**1:35:52**
